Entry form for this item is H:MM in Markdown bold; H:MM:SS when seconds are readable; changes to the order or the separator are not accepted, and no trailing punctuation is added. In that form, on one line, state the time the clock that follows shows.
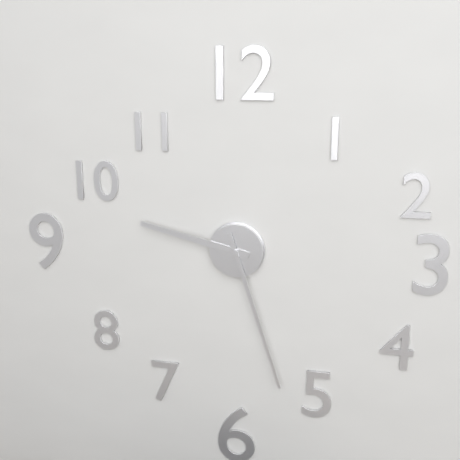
**9:27**
